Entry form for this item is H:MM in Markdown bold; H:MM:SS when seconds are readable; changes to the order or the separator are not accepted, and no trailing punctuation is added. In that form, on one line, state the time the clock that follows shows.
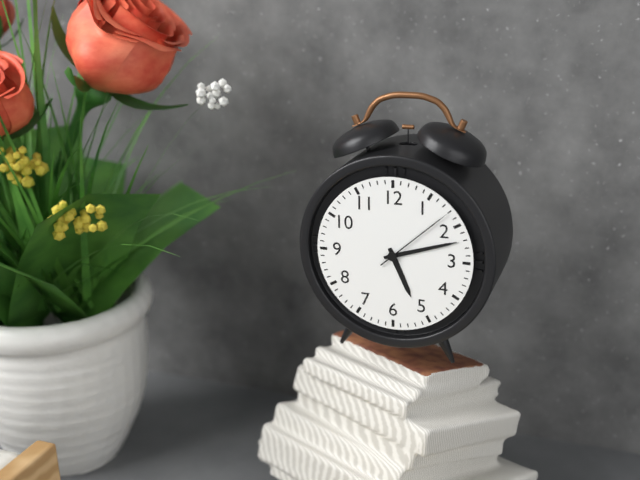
**5:12:08**
